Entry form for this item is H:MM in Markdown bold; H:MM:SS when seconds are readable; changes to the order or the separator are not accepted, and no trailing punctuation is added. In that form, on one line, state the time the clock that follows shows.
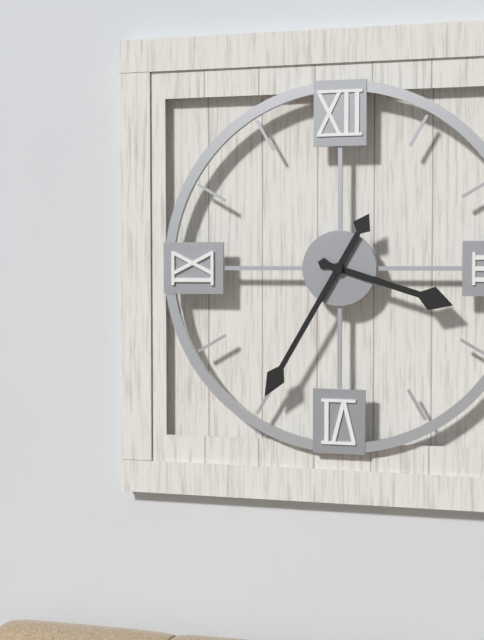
**3:35**
